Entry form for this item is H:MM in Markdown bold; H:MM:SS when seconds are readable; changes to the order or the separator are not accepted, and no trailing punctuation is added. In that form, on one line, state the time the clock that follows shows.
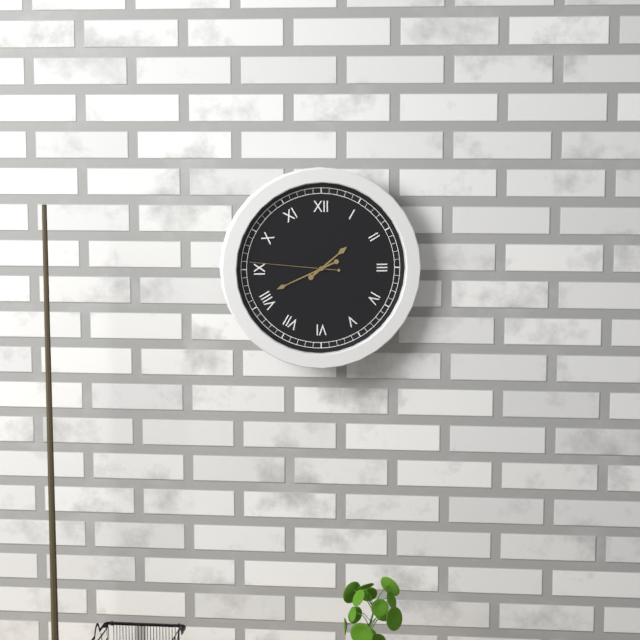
**1:41:46**
